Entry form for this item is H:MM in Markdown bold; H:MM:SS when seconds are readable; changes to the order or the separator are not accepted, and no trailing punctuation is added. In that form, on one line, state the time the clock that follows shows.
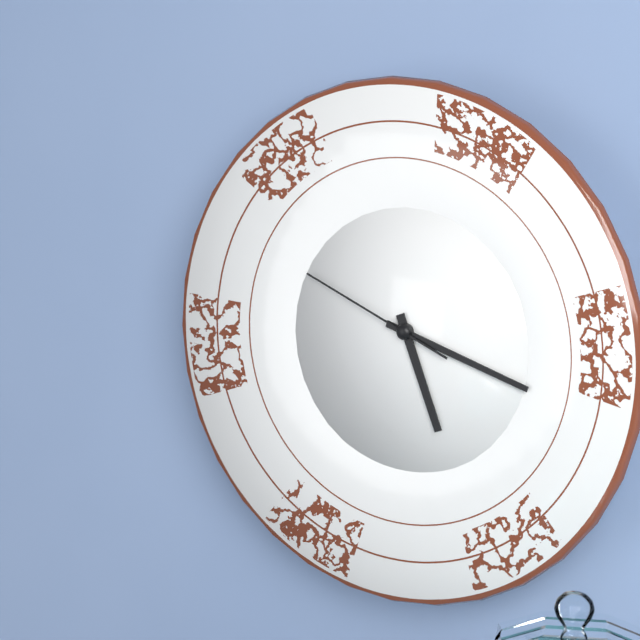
**5:18:49**
